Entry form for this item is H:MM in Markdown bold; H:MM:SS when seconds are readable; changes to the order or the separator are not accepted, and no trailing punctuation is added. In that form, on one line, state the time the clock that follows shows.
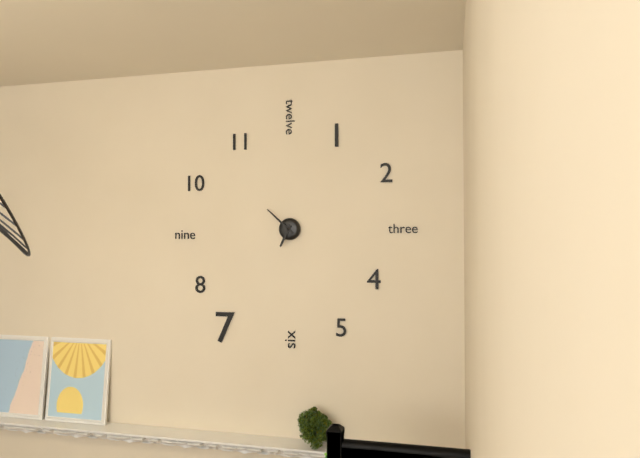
**6:52**
